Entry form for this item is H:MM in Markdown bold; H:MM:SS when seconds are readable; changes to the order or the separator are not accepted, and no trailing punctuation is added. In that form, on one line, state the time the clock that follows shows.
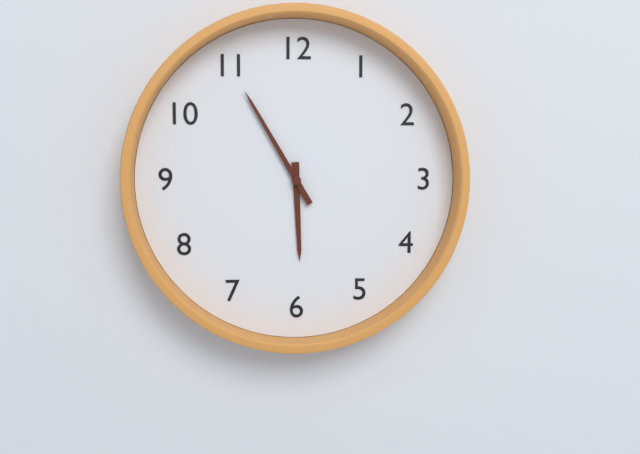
**5:55**
